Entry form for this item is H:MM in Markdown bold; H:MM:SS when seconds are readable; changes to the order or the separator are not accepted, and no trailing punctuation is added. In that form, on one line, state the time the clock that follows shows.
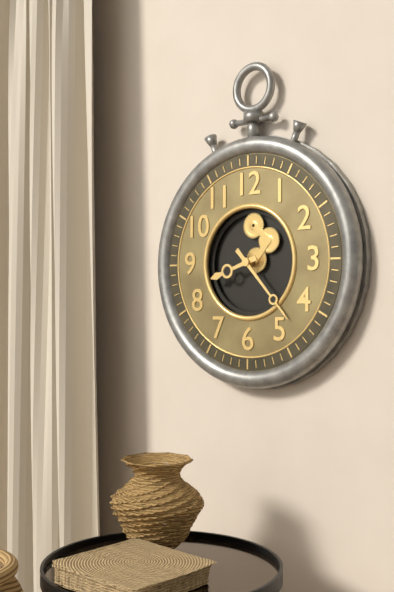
**8:23**
